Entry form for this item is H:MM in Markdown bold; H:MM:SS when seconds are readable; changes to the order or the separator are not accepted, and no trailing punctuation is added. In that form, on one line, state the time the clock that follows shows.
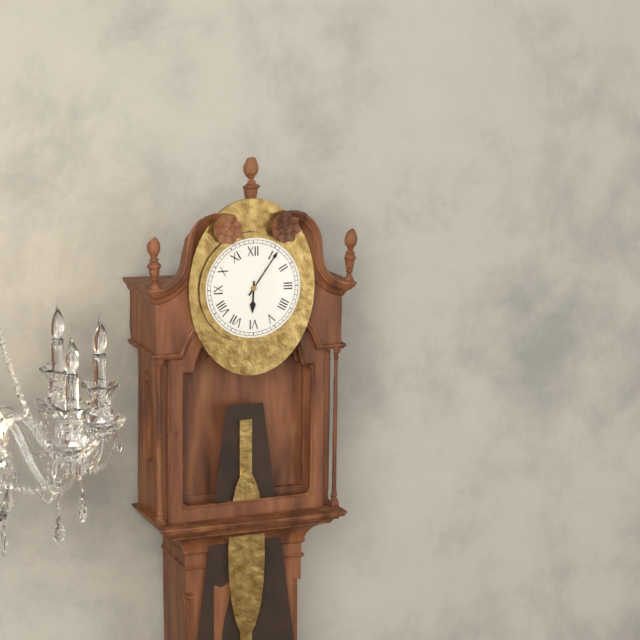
**6:06**
